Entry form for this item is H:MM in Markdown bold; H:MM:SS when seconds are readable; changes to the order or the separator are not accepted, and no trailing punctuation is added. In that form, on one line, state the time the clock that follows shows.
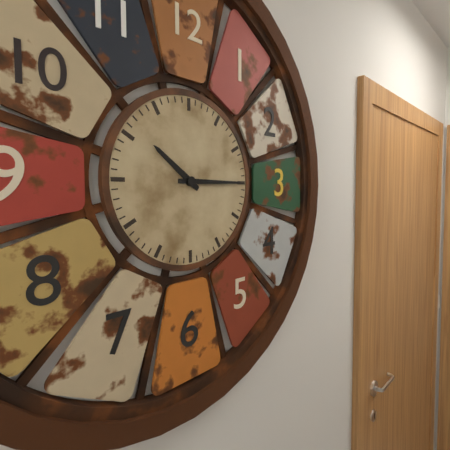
**10:15**
